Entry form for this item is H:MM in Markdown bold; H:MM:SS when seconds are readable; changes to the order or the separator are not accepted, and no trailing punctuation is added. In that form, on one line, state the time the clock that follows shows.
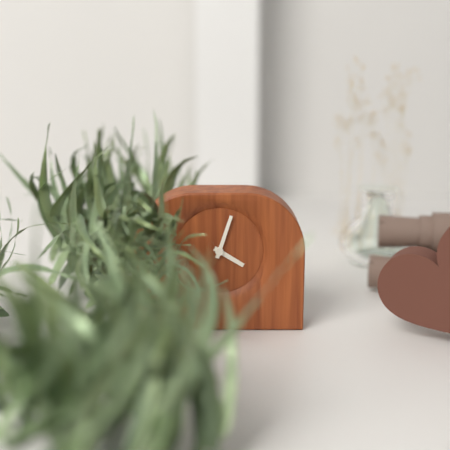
**4:03**
